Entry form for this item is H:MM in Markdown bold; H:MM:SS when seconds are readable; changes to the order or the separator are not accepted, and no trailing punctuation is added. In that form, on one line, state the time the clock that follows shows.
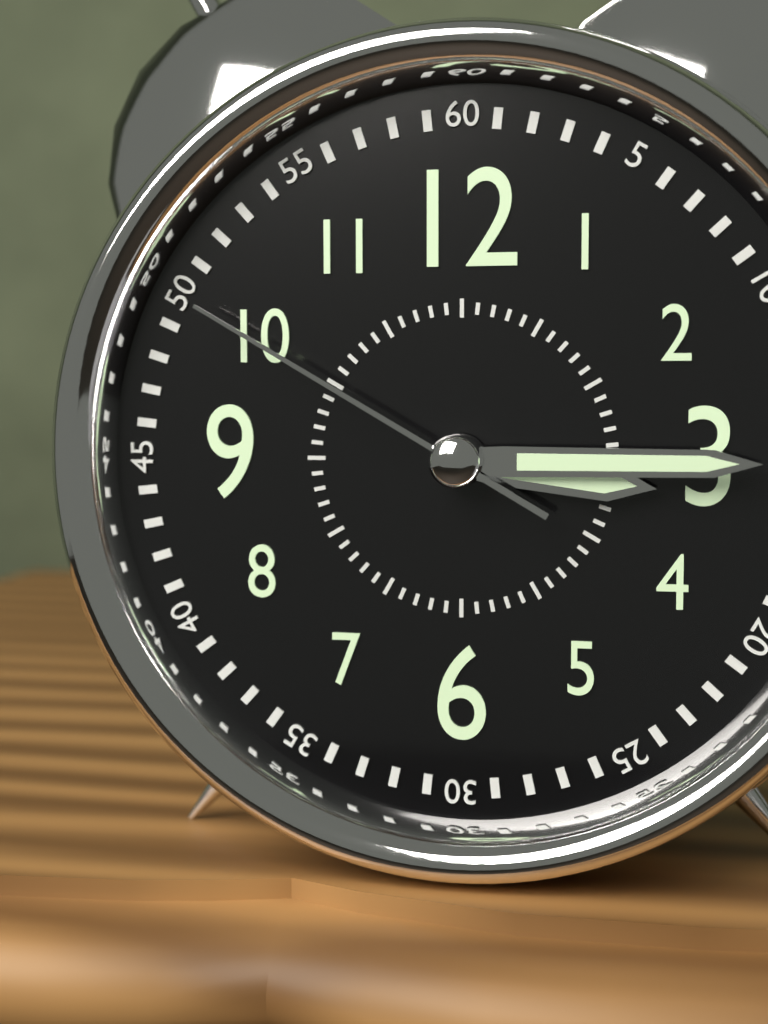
**3:15:50**
